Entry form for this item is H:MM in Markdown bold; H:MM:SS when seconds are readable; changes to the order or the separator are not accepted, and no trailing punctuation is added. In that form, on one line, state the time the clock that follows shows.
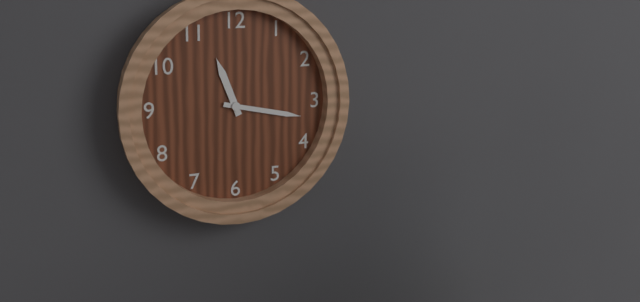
**11:17**
